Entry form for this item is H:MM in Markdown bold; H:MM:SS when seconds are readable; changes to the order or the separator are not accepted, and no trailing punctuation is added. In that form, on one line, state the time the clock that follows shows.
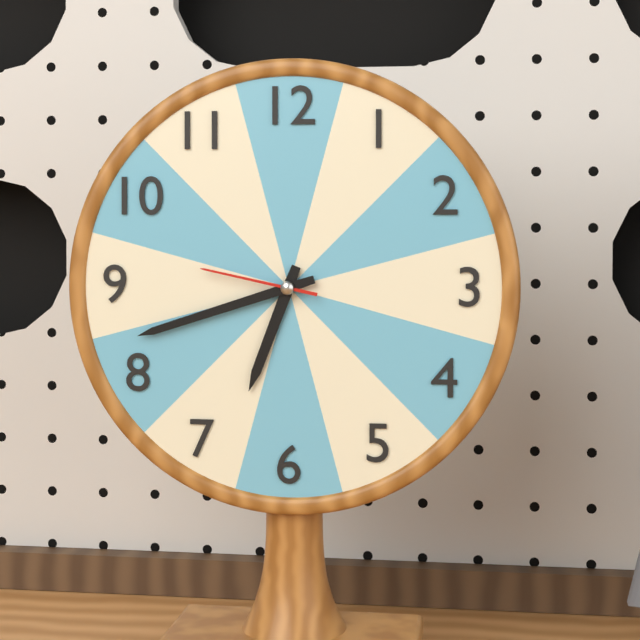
**6:42:47**
